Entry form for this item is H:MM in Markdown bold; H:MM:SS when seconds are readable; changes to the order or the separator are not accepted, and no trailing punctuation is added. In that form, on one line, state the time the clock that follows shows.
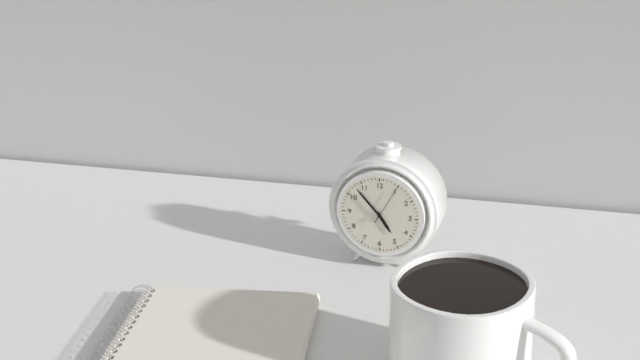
**4:53**
